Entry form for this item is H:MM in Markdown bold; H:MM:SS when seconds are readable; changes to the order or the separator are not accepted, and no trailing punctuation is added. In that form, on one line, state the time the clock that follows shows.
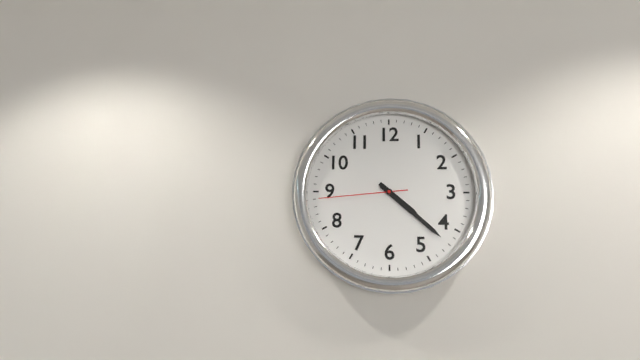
**4:22:44**
